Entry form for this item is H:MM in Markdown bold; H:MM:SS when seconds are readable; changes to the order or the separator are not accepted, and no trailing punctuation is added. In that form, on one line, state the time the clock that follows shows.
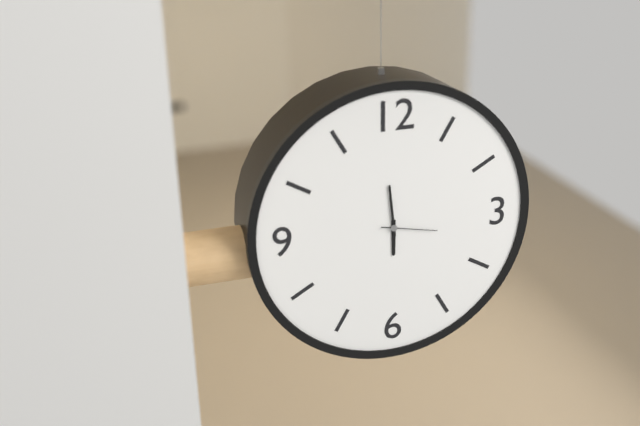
**5:59:17**
